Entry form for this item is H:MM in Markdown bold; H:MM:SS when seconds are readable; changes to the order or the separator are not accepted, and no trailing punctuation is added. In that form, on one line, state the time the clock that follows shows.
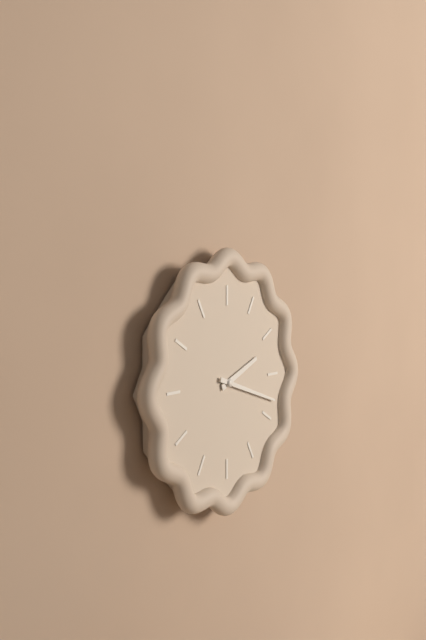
**2:18**
